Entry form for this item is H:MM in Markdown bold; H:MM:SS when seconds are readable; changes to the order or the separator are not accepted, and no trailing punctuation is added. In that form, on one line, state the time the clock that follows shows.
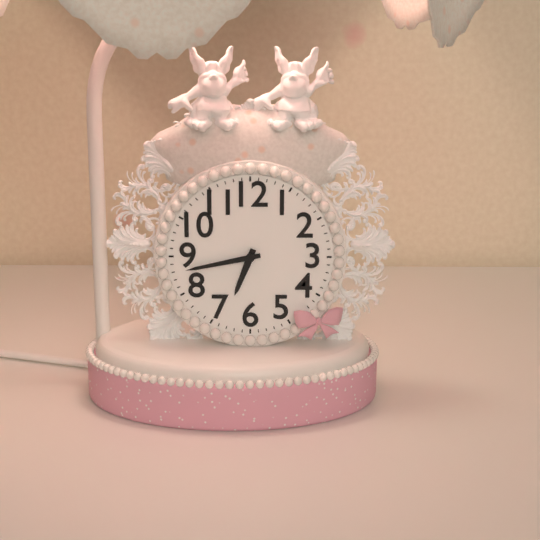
**6:43**
